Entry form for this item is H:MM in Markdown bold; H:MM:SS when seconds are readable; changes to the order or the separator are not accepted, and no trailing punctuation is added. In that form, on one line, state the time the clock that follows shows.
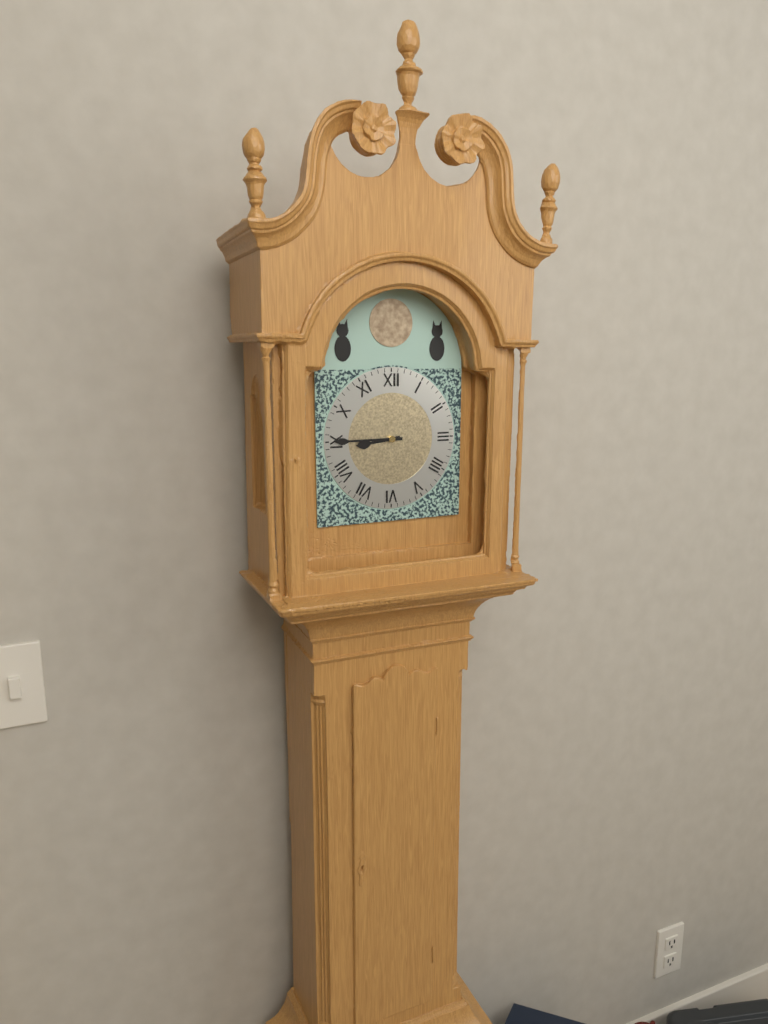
**8:45**
